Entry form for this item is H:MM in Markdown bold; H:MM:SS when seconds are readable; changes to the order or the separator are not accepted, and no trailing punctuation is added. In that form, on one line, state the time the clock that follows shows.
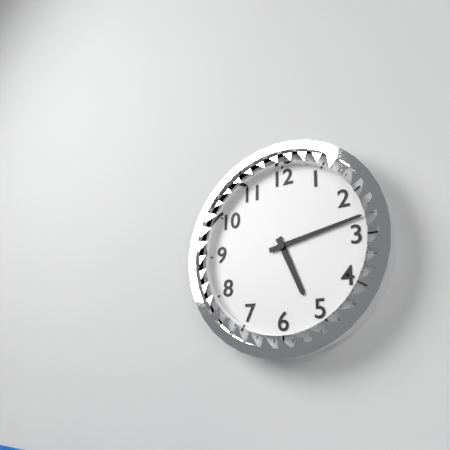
**5:13**
